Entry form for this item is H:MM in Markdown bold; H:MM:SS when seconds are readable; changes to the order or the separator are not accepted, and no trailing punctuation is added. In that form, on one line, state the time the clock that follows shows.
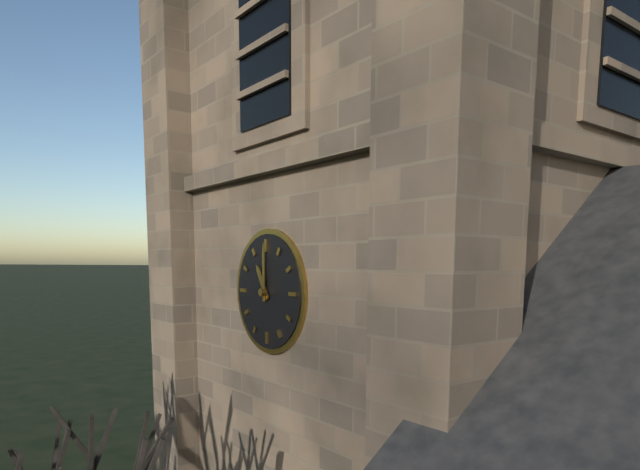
**11:00**
